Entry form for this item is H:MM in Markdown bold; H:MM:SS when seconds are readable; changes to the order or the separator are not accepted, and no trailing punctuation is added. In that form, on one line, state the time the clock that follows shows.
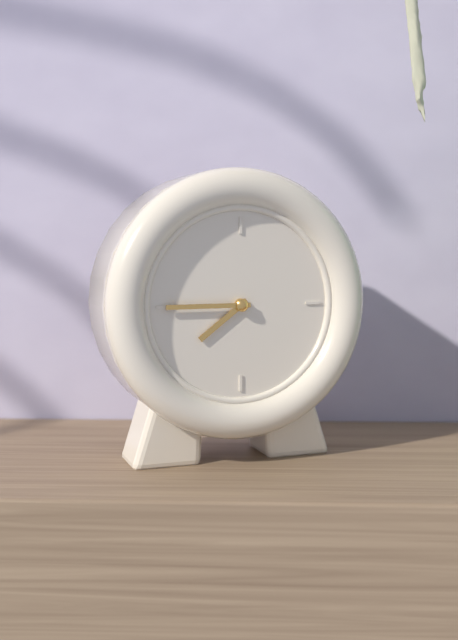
**7:45**
